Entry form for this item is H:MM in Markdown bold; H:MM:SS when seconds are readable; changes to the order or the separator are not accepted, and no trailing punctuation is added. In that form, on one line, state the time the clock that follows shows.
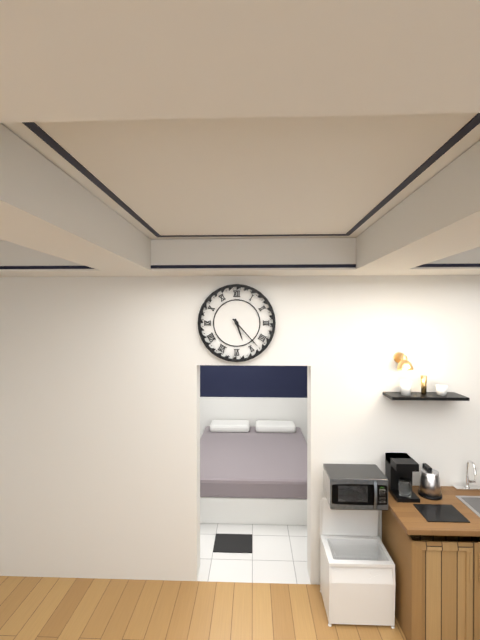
**5:23**
